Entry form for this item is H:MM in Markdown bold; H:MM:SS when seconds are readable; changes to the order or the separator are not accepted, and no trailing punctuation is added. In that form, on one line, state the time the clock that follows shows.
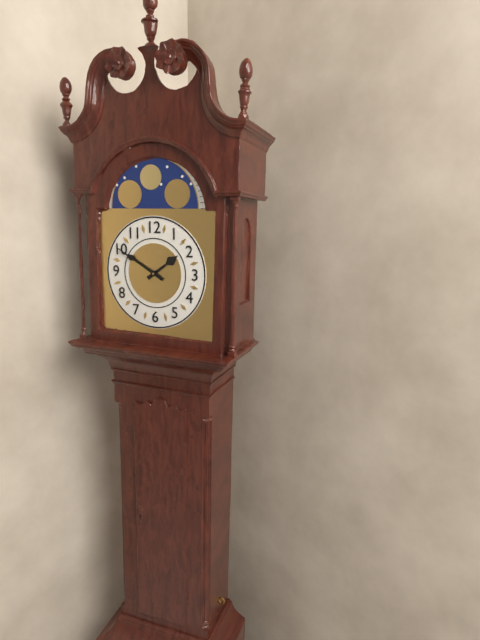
**1:50**
